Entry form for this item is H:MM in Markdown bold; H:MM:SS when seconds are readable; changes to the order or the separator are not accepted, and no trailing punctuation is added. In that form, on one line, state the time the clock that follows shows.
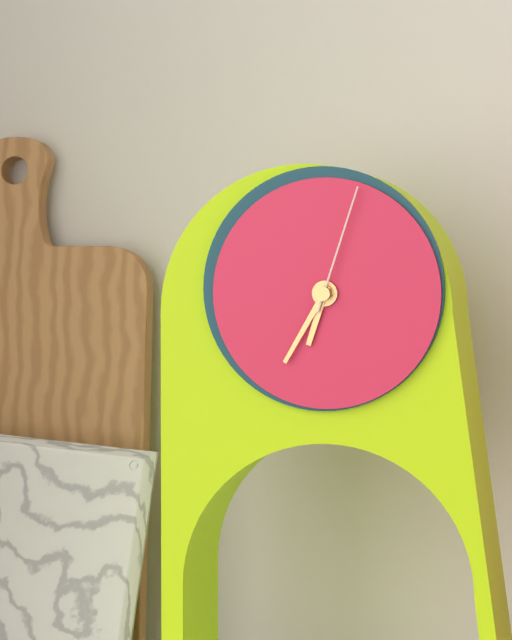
**6:35:03**
